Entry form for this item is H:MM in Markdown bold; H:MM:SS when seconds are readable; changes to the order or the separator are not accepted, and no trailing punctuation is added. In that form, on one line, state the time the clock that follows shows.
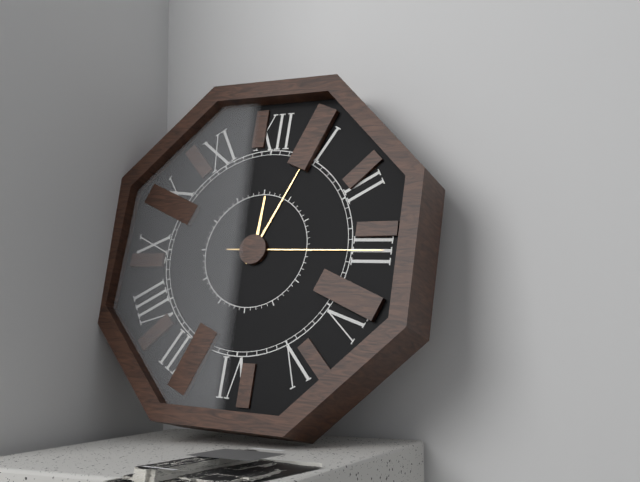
**12:04:15**
